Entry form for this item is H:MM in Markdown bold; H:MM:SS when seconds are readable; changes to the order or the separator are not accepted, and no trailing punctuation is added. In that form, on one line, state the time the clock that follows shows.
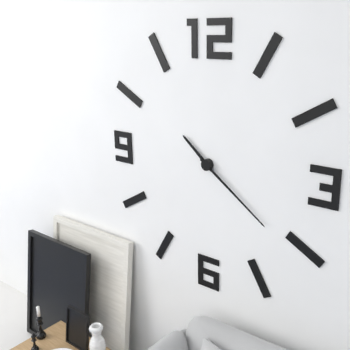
**10:21**
